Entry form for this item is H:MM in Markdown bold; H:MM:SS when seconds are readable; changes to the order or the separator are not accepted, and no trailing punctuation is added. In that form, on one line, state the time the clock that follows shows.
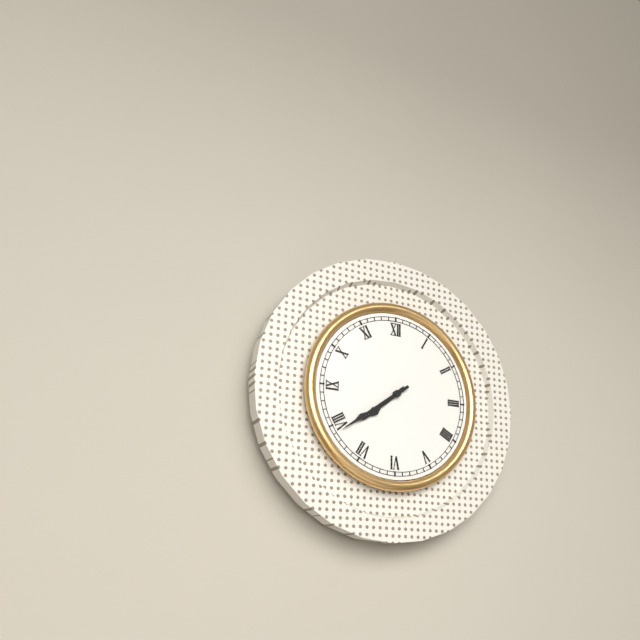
**7:39**
